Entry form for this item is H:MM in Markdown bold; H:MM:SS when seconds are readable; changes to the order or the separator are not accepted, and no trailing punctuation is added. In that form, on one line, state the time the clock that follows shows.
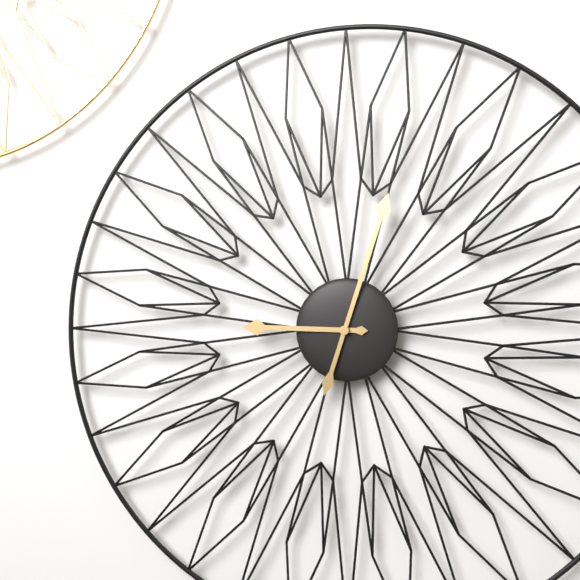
**9:03**
